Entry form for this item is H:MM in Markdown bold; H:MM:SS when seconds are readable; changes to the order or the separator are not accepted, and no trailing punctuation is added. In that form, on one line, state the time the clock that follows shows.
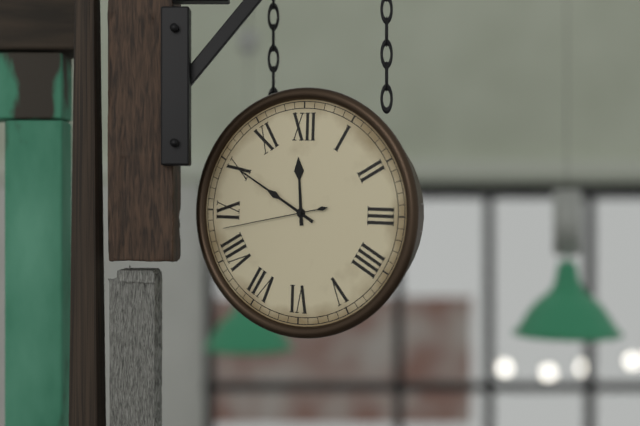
**11:50:43**
